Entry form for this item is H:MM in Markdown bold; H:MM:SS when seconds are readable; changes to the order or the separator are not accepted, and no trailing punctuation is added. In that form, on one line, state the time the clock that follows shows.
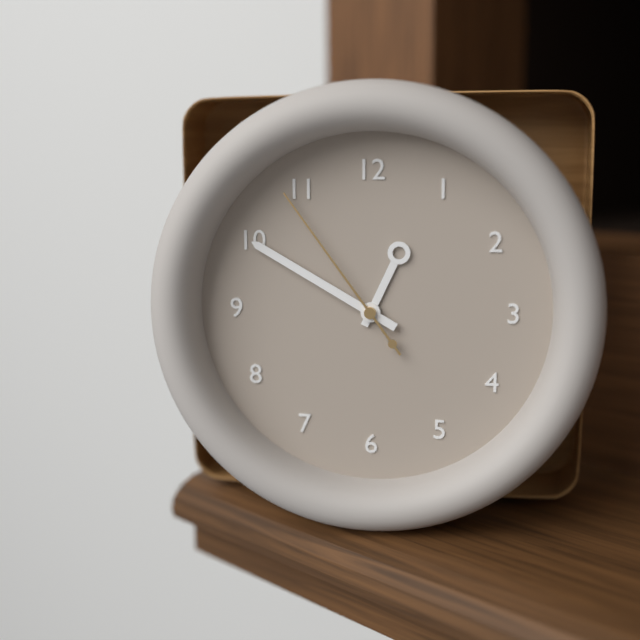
**12:50:54**
